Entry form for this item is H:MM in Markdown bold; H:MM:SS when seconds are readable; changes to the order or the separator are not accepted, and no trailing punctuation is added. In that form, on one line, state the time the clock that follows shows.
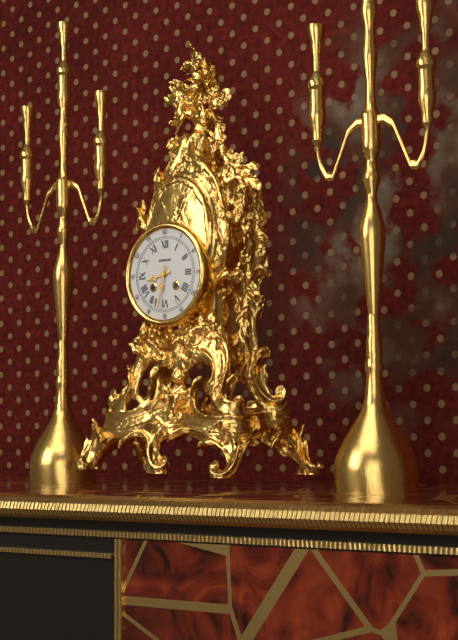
**8:32**
